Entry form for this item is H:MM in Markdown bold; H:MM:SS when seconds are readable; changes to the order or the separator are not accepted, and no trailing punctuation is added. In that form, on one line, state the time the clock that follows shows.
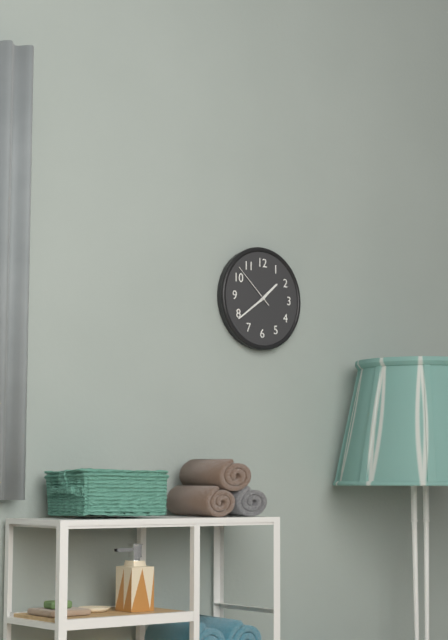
**1:39**
